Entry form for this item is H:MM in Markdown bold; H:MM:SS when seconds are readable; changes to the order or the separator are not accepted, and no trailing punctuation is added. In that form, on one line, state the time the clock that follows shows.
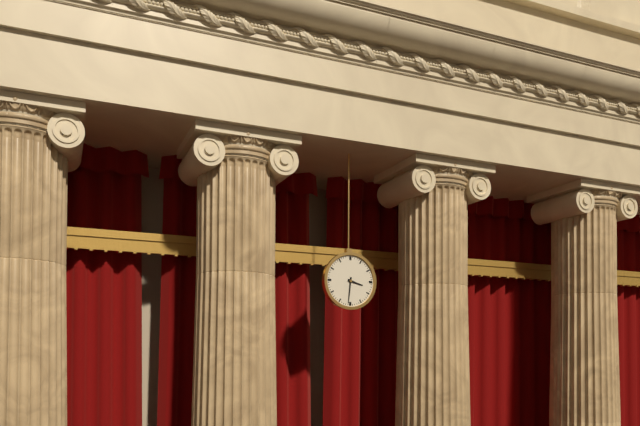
**3:31**
